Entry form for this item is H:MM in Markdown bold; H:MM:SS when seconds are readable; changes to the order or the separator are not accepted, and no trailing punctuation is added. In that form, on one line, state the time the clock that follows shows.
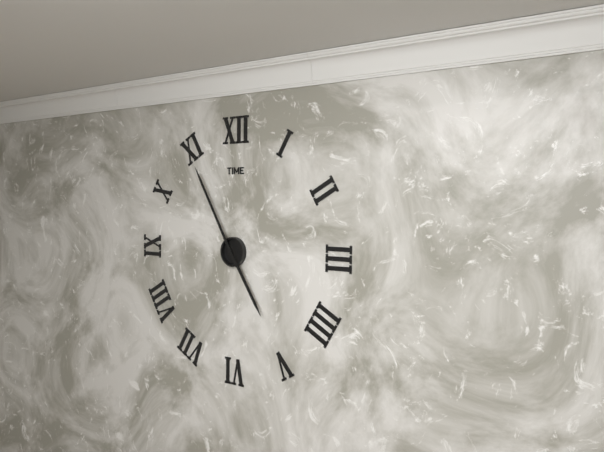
**4:55**
